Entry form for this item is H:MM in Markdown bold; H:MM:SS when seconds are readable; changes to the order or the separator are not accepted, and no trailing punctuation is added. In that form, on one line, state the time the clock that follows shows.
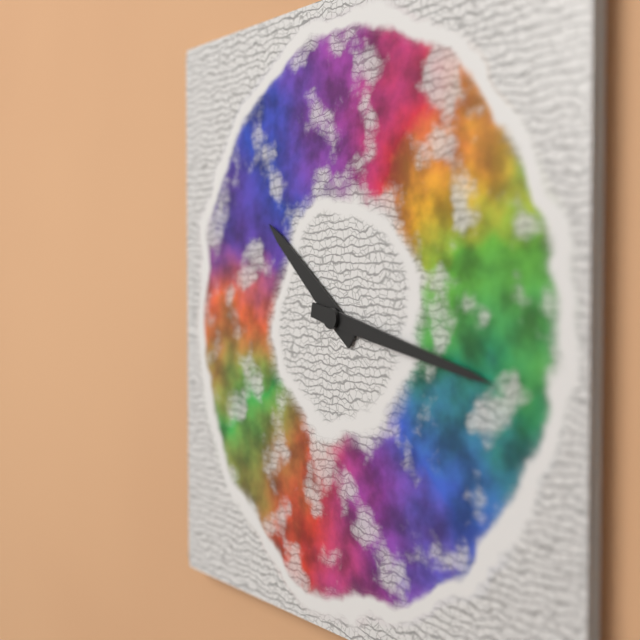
**10:17**
